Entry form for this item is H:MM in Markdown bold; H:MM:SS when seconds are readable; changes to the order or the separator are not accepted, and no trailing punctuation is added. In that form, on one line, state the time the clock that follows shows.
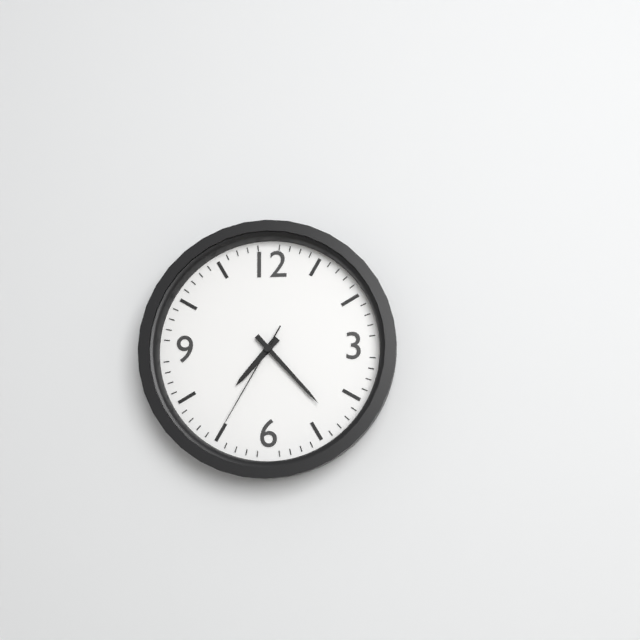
**7:23:35**
